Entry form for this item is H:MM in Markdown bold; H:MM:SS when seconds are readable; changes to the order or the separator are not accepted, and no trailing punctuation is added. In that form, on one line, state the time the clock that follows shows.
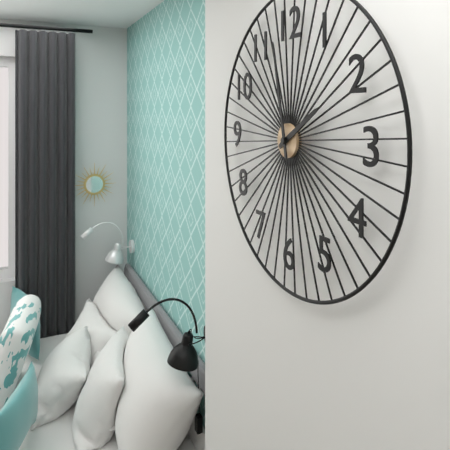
**1:58**
